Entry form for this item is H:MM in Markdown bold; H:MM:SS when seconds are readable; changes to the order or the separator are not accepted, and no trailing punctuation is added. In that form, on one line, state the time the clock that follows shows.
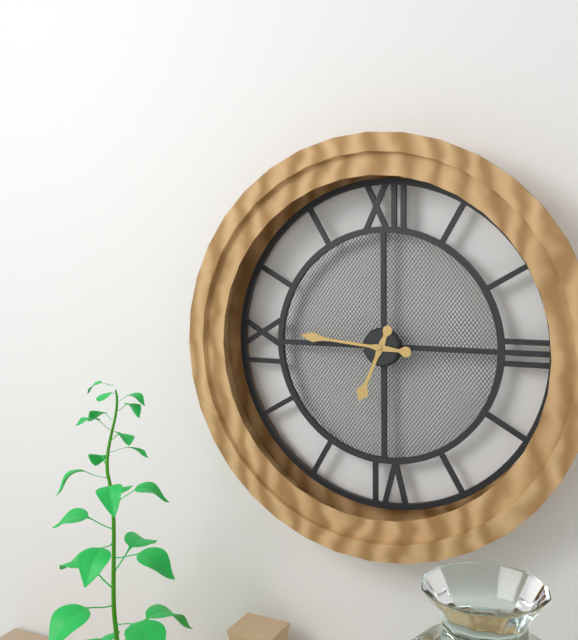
**6:46**
